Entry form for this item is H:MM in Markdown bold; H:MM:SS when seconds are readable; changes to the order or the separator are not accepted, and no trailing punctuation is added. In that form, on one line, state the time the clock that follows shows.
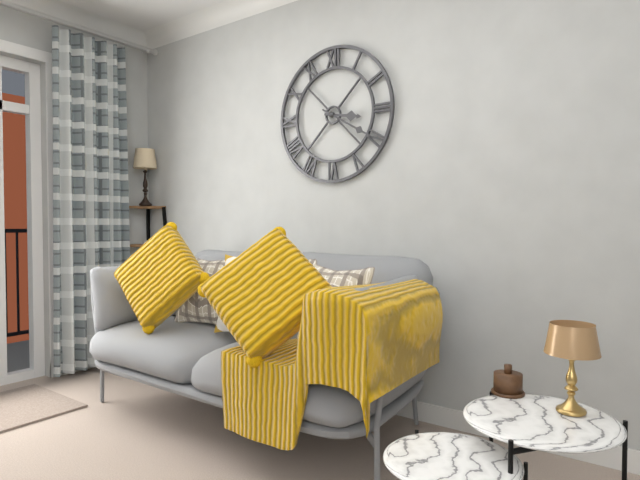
**3:20**
